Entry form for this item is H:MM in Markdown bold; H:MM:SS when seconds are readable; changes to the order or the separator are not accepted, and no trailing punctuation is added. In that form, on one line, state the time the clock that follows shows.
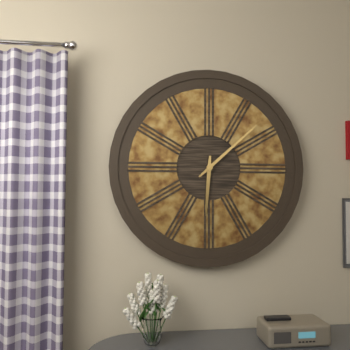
**6:08**
